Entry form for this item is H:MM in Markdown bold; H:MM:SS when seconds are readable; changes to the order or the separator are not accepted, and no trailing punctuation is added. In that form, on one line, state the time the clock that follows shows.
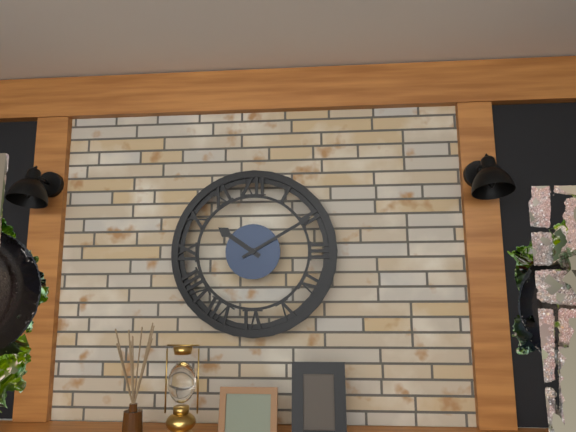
**10:10**
